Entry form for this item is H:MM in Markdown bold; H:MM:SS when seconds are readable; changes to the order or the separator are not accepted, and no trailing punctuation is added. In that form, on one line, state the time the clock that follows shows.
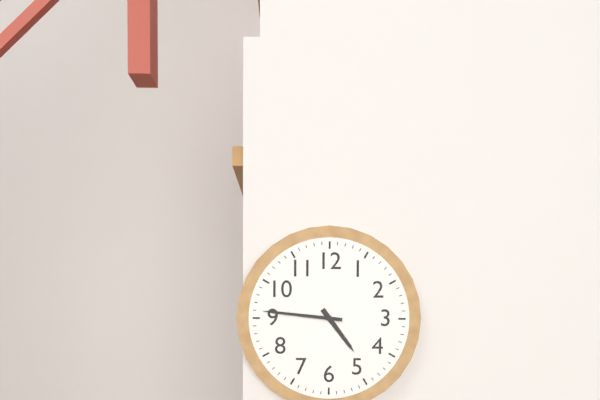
**4:46**
